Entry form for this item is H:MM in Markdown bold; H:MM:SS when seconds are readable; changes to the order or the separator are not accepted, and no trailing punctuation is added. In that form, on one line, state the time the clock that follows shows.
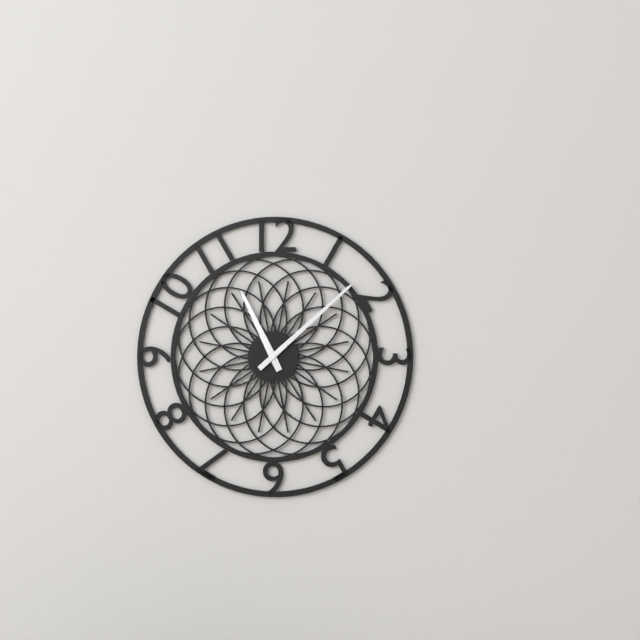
**11:08**
